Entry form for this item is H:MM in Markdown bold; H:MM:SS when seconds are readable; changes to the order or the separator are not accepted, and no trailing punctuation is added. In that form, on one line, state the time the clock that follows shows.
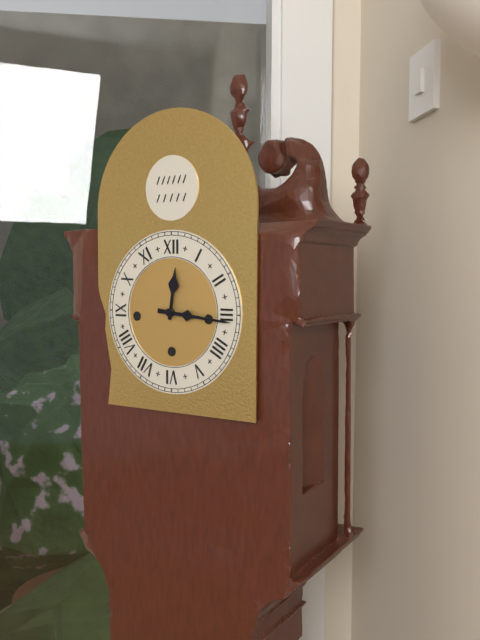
**12:16**
